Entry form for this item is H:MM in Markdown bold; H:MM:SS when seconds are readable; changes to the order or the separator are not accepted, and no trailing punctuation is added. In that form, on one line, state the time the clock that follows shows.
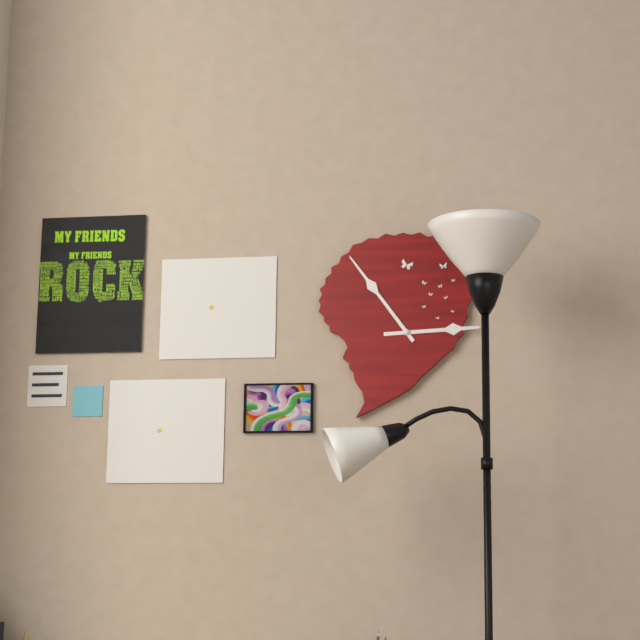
**2:54**
